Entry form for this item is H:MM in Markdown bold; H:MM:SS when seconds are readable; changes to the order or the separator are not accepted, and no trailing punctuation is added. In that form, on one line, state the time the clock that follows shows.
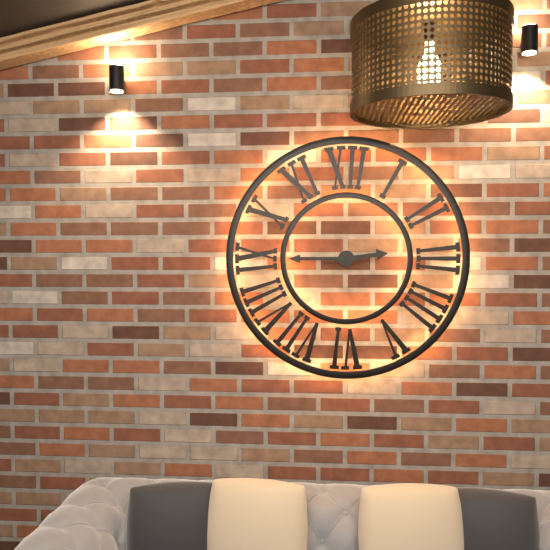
**2:45**
